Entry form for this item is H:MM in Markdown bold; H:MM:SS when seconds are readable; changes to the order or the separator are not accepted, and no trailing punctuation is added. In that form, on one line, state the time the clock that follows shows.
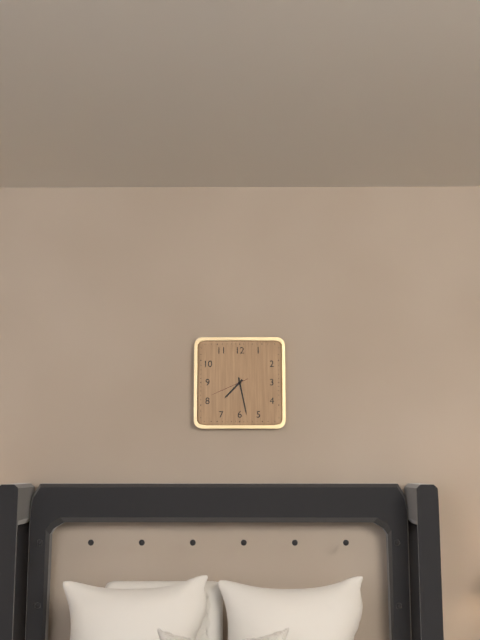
**7:28**
